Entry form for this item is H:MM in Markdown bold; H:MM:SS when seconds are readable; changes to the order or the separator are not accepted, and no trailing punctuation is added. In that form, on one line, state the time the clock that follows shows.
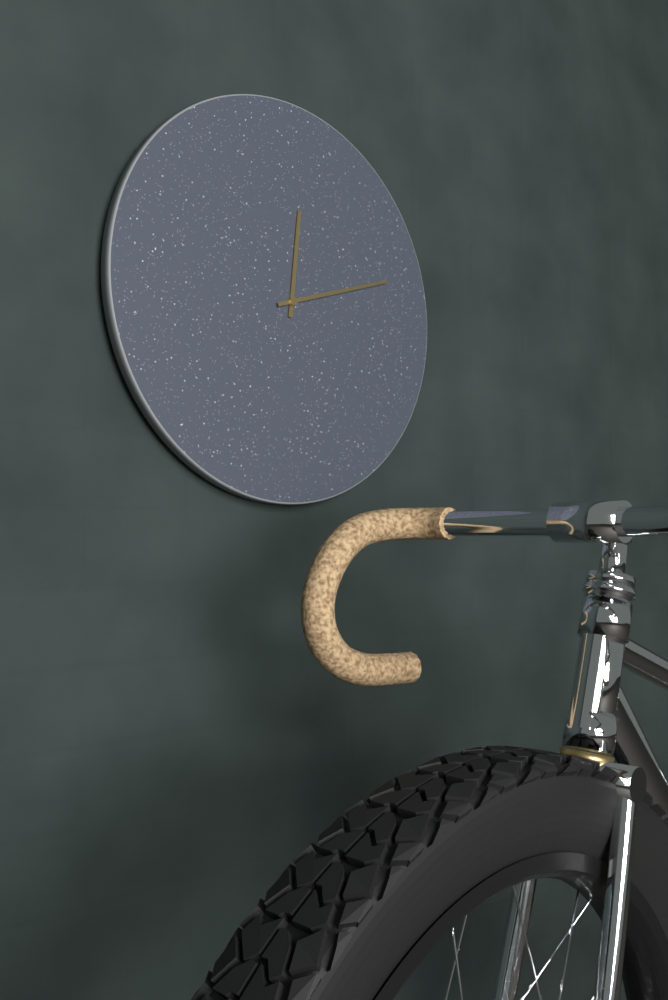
**12:12**
